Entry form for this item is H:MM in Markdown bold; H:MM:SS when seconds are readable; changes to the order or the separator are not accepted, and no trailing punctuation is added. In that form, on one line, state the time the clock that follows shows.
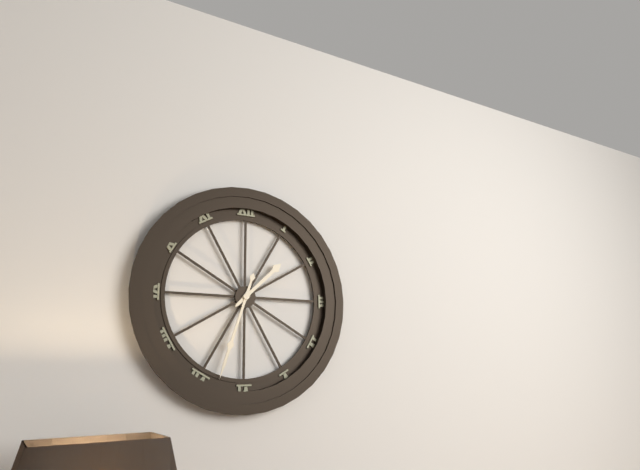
**1:33**
